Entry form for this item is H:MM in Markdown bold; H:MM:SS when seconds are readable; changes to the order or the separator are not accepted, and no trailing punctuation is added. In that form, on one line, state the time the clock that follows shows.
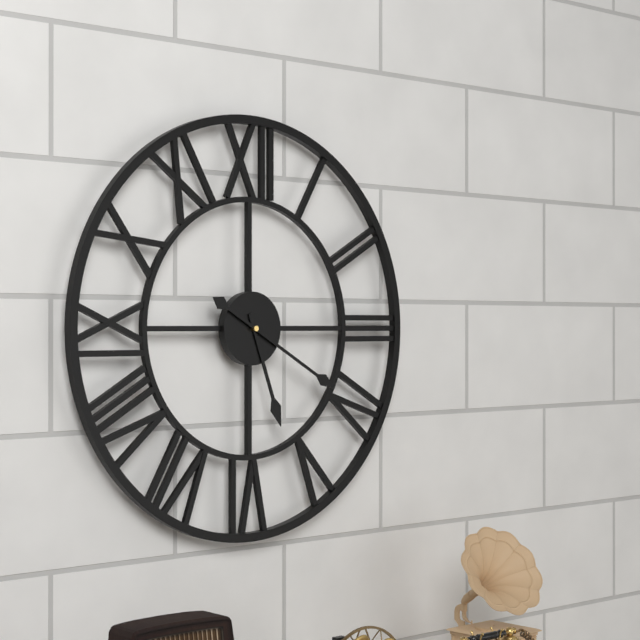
**5:20**
